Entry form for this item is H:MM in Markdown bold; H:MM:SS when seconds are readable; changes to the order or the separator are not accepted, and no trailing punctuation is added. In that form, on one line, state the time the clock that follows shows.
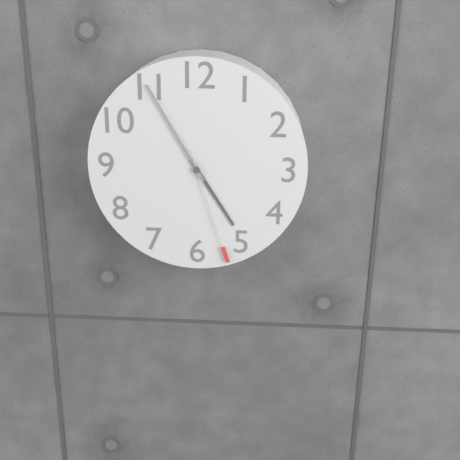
**4:55:27**
